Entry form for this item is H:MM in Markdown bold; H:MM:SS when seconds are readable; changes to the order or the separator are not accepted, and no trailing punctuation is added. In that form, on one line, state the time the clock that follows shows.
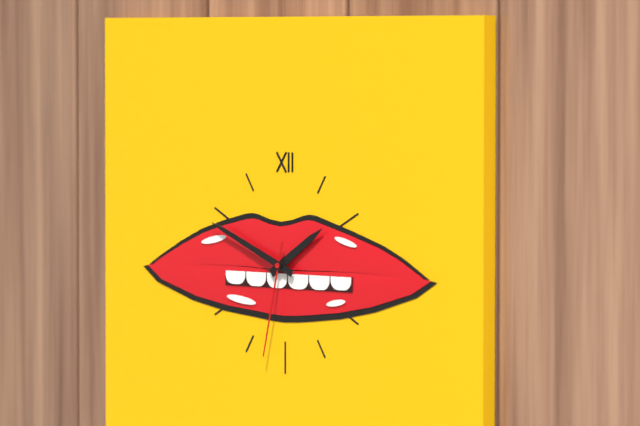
**1:49:32**
